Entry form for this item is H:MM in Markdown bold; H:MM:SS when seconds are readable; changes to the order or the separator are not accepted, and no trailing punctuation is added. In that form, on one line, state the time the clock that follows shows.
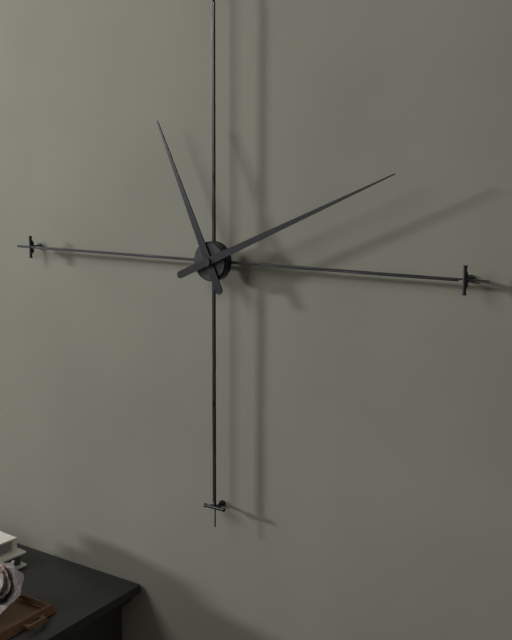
**11:11**
